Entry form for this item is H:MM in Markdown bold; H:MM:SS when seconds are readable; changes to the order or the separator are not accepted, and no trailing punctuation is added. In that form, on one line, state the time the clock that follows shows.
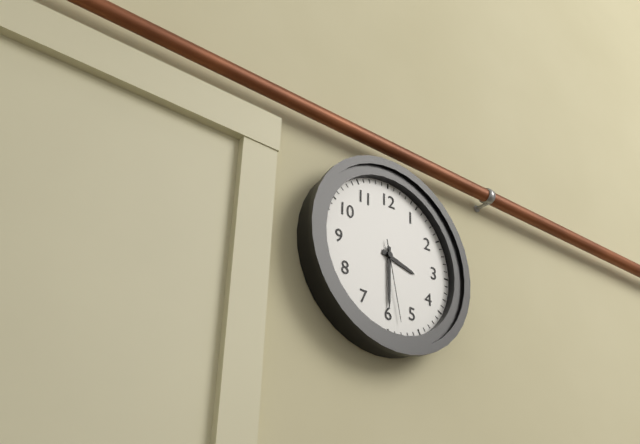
**3:30:28**
